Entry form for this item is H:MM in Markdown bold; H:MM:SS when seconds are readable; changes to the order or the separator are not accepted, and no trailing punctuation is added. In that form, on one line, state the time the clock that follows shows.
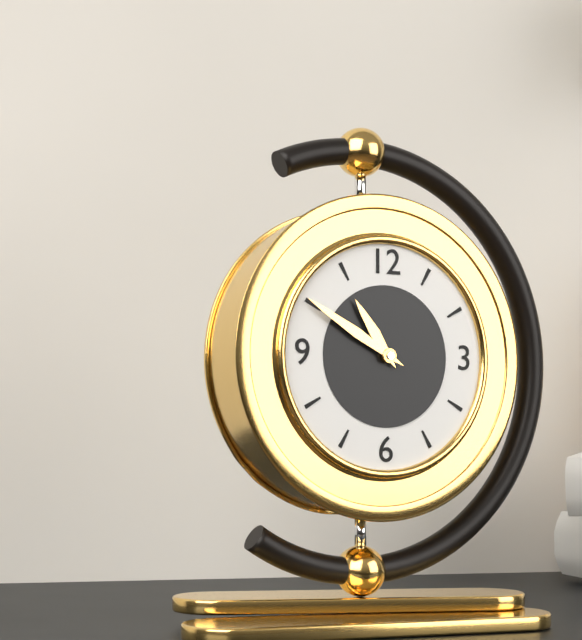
**10:50**
